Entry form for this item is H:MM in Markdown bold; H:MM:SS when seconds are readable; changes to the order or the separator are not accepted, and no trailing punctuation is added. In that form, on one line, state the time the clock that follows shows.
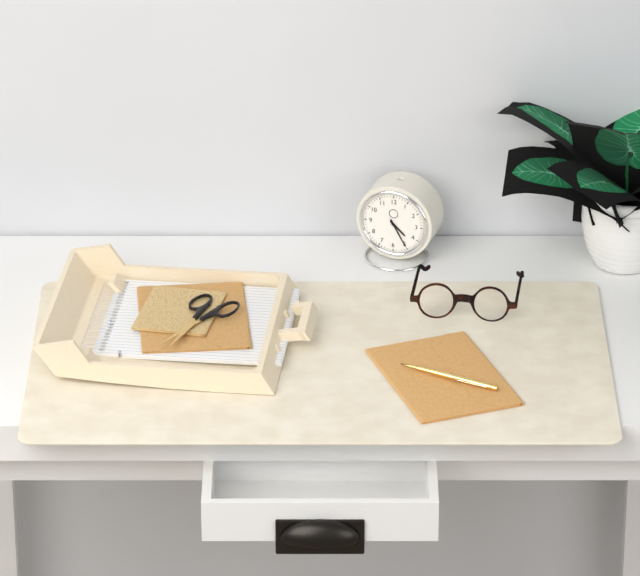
**4:25**
